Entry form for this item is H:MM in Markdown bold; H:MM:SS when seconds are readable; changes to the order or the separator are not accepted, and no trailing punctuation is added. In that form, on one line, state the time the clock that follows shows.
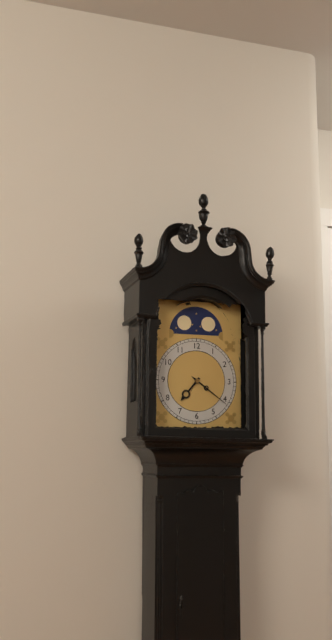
**7:21**
